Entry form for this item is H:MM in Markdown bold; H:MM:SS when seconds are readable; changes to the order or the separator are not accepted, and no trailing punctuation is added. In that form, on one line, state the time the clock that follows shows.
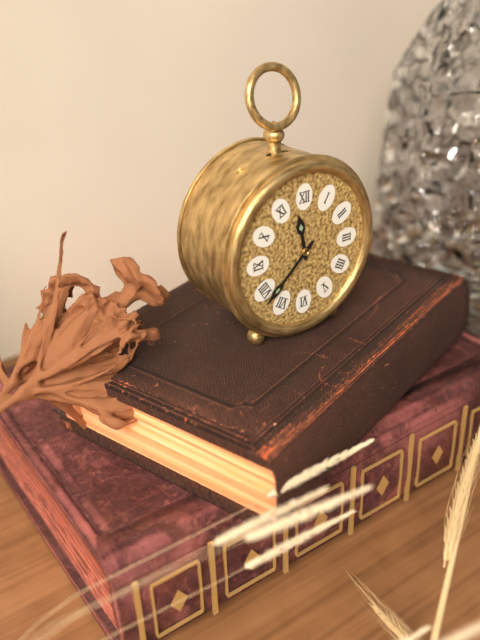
**11:38**
